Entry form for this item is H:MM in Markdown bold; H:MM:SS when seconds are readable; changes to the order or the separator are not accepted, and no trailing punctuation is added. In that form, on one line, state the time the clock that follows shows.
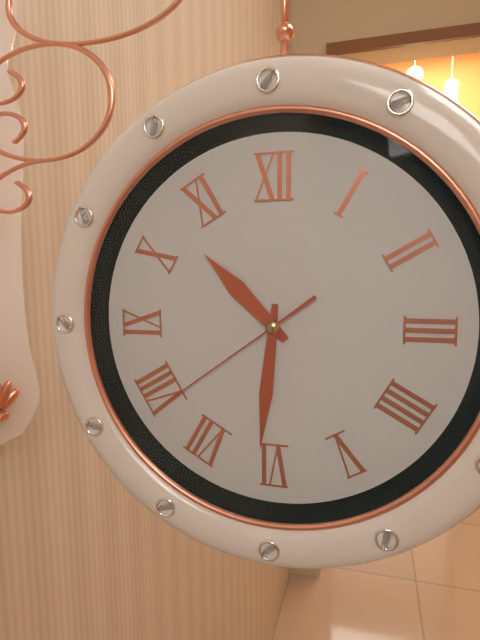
**10:31:39**
